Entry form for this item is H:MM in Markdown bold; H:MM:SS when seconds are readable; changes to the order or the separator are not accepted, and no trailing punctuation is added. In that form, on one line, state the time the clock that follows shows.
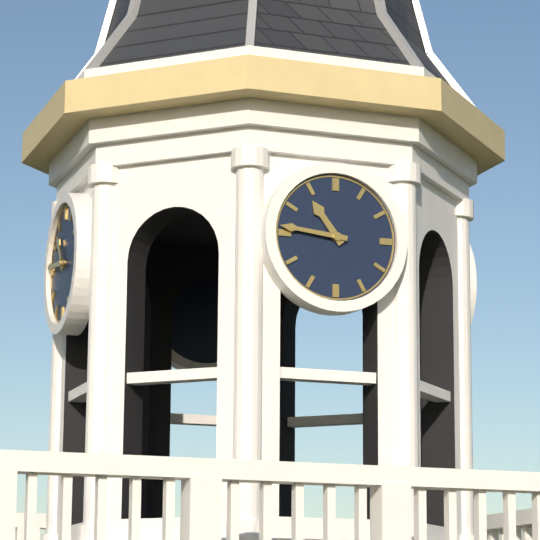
**10:46**
